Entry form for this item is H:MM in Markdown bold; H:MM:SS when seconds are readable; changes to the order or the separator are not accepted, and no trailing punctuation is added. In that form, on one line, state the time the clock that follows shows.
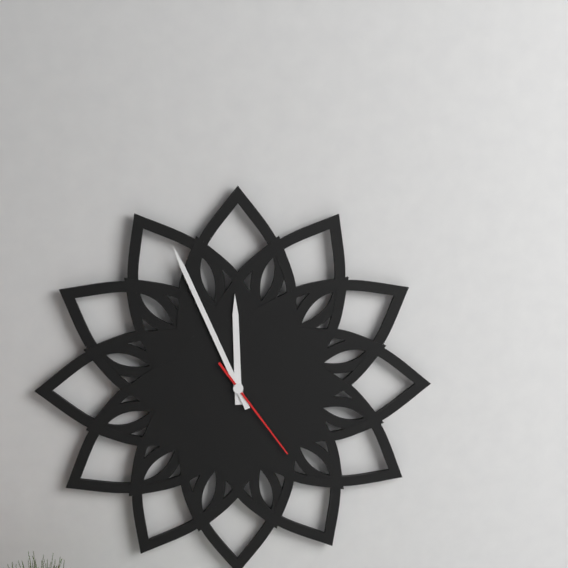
**11:56:24**
